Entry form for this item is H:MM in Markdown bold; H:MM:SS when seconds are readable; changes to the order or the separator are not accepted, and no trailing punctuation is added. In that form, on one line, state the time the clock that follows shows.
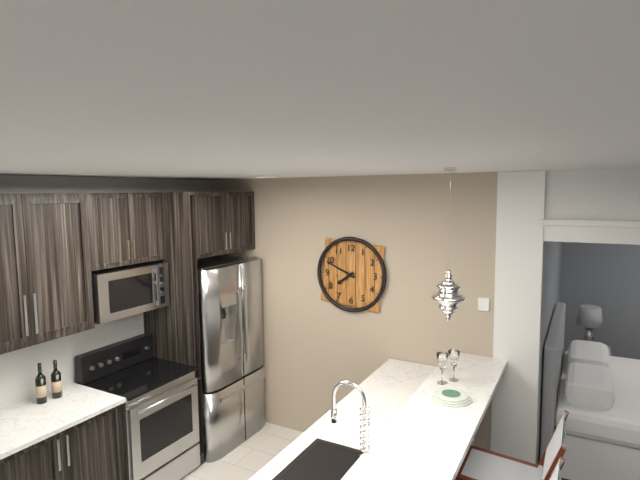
**7:49**
